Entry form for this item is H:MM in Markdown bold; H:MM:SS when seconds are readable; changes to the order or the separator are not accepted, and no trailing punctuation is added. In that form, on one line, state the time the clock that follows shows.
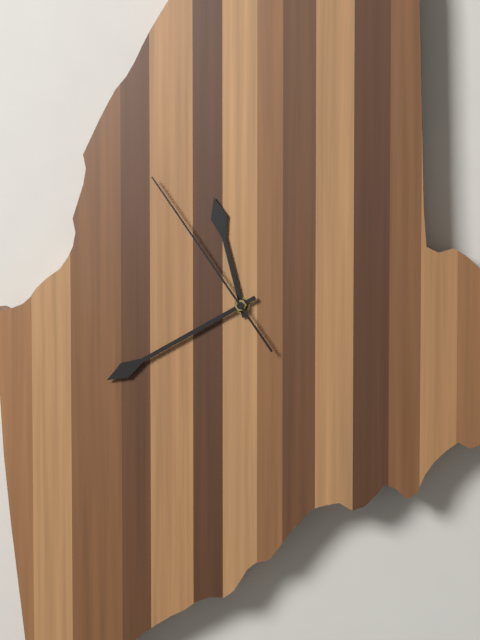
**11:41:55**
